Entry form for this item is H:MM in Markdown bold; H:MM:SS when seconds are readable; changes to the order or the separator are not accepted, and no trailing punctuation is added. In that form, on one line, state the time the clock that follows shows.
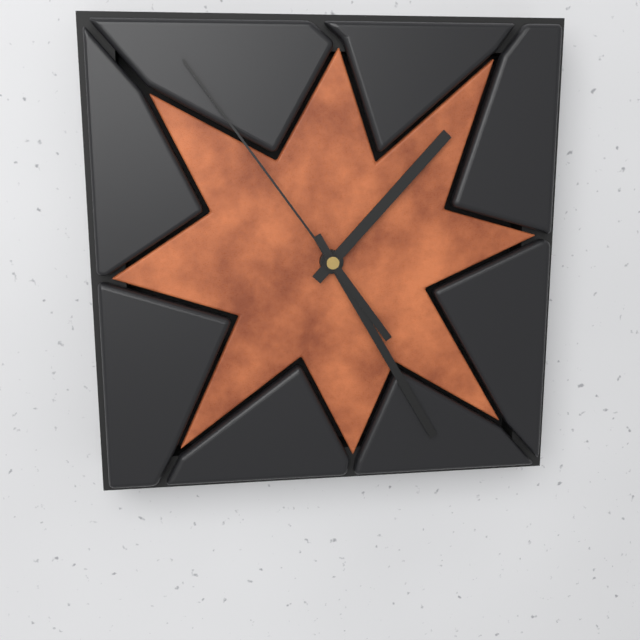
**1:25:54**
